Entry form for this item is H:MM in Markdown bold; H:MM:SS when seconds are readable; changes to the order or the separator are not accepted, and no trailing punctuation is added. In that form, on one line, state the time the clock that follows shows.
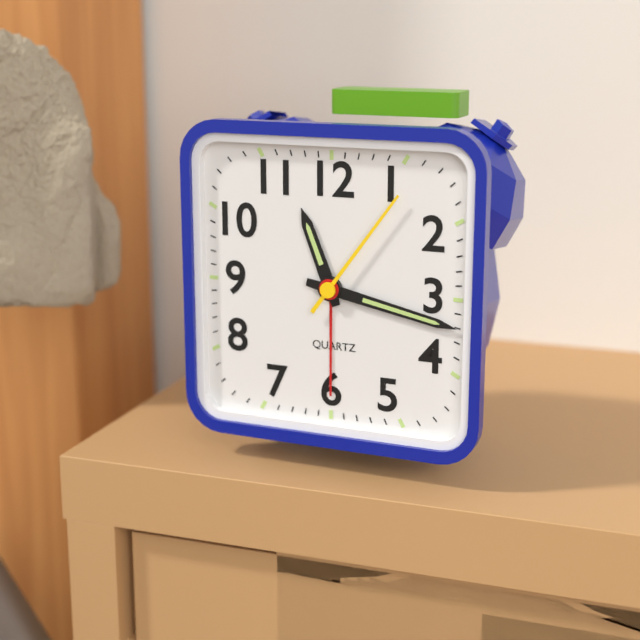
**11:17:06**
